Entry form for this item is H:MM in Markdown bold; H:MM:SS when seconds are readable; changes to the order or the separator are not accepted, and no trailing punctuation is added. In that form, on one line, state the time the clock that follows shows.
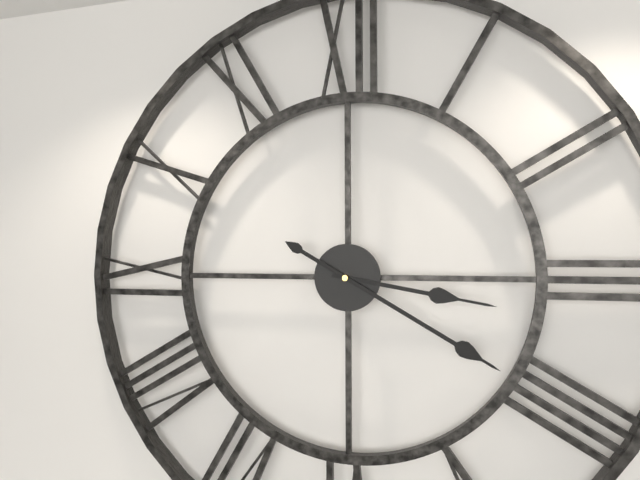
**3:20**
